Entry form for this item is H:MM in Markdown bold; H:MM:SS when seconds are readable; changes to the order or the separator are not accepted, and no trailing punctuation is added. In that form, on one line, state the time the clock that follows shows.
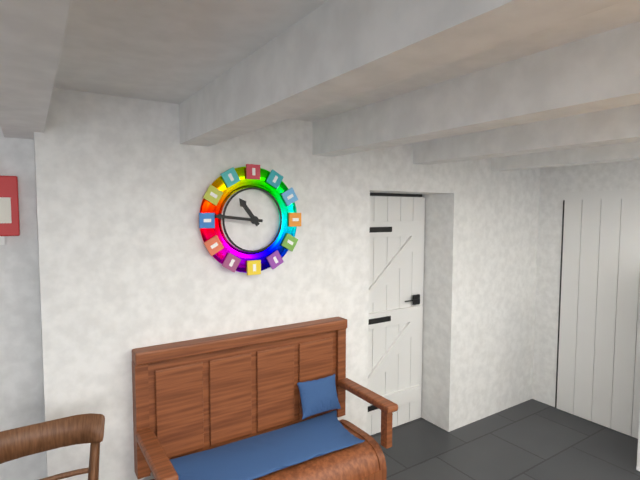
**10:46**
